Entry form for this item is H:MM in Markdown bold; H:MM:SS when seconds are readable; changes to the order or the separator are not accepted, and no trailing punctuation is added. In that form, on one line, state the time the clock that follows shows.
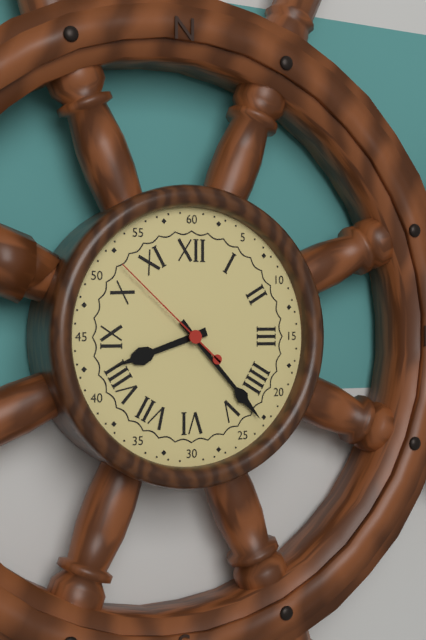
**8:23:52**
